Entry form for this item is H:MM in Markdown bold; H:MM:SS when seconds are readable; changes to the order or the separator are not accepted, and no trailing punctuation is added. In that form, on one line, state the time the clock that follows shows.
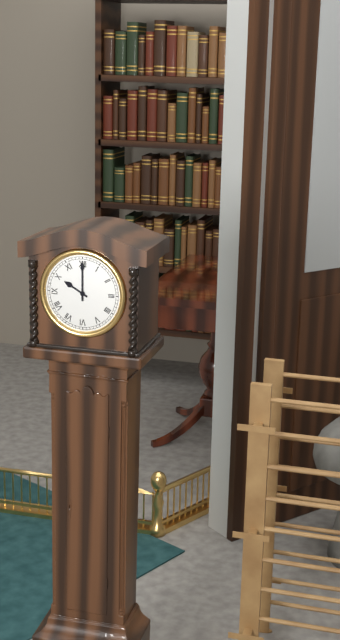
**10:00**
